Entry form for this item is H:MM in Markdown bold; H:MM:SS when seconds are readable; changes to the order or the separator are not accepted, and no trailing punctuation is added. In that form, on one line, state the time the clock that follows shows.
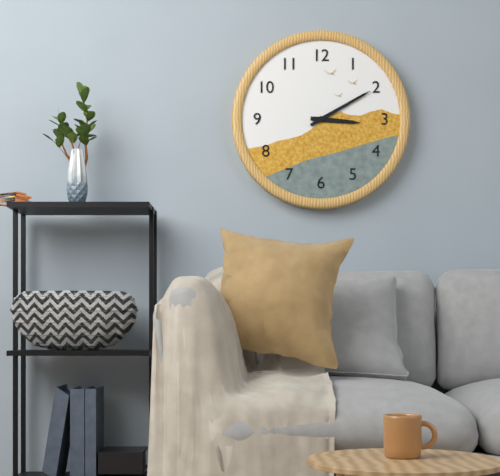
**3:10**
